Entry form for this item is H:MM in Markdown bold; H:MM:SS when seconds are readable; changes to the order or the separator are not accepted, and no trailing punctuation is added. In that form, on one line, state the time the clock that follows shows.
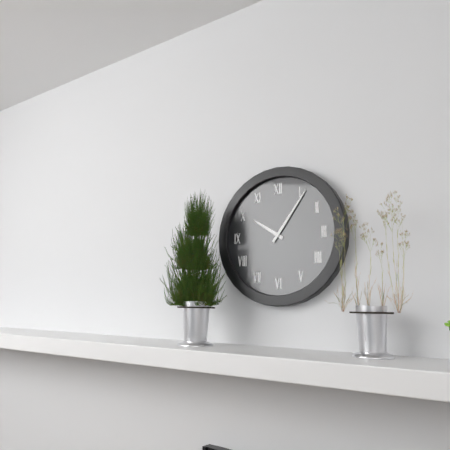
**10:06**
